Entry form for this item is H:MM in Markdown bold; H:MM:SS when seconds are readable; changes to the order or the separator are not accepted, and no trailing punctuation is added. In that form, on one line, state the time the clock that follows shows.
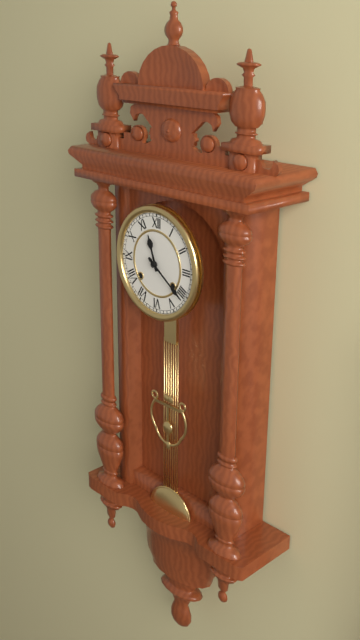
**11:21**
